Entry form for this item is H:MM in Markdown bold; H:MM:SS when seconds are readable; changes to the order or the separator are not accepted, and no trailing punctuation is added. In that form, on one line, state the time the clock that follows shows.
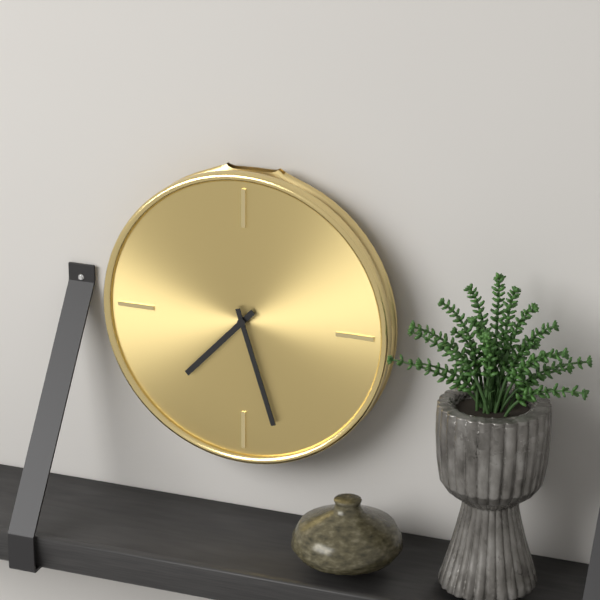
**7:27**
